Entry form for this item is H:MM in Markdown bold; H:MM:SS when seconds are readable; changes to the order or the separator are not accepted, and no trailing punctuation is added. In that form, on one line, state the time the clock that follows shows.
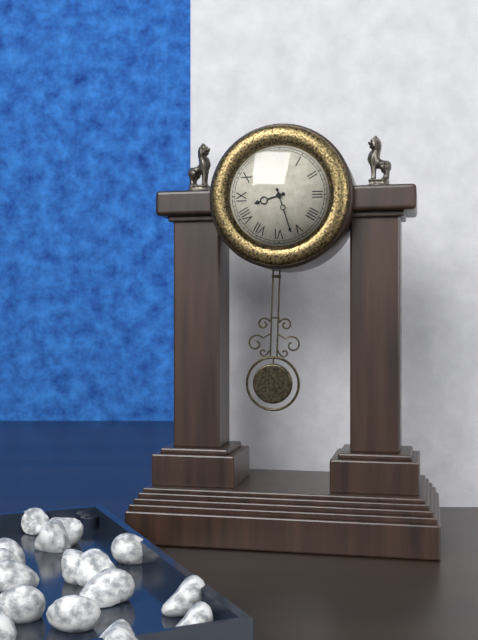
**8:27**
